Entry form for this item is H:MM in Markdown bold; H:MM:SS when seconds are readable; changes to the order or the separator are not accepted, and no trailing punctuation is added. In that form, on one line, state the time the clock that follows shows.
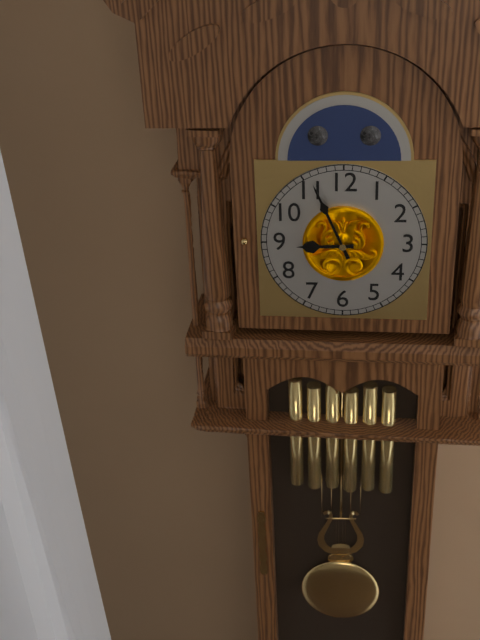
**8:56**
